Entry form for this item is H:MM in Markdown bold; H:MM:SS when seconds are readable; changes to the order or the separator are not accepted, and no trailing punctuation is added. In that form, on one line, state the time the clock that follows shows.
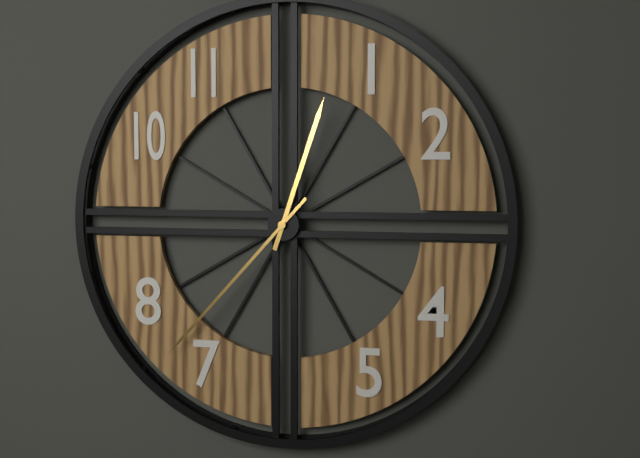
**12:37**
